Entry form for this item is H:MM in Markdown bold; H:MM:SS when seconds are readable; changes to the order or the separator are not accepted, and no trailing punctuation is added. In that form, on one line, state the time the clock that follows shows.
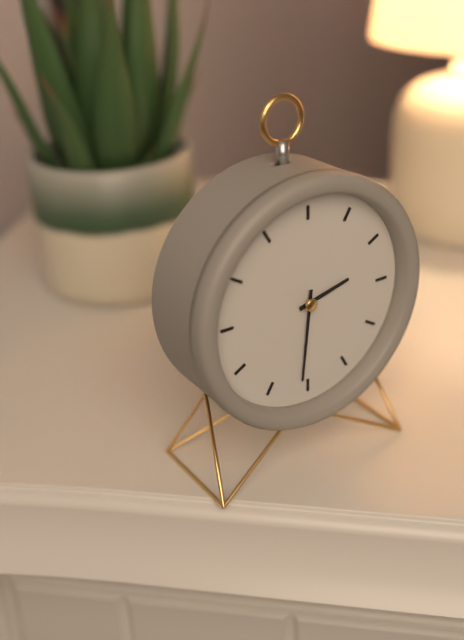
**2:31**
